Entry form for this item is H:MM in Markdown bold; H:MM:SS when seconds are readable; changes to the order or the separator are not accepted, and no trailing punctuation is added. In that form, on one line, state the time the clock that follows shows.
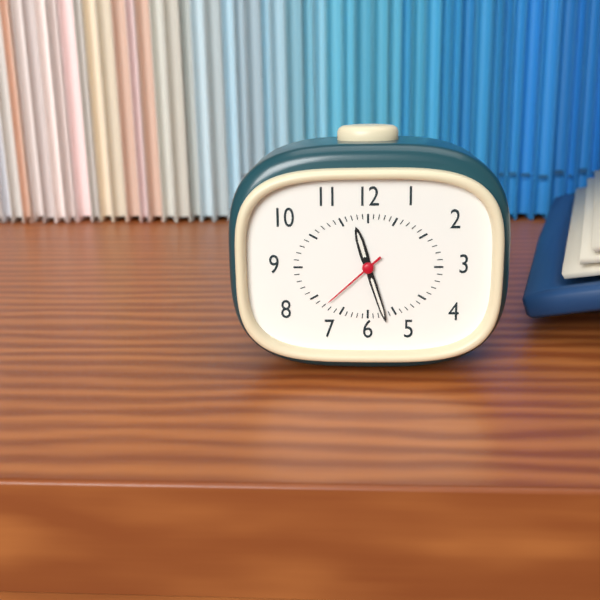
**11:27:38**
